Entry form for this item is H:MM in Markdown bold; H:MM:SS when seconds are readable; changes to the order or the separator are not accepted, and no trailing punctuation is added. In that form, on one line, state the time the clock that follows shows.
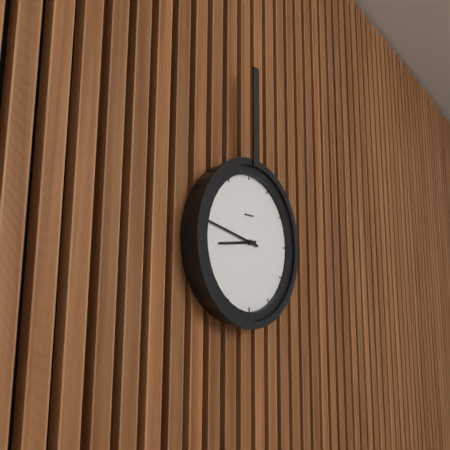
**8:47**
